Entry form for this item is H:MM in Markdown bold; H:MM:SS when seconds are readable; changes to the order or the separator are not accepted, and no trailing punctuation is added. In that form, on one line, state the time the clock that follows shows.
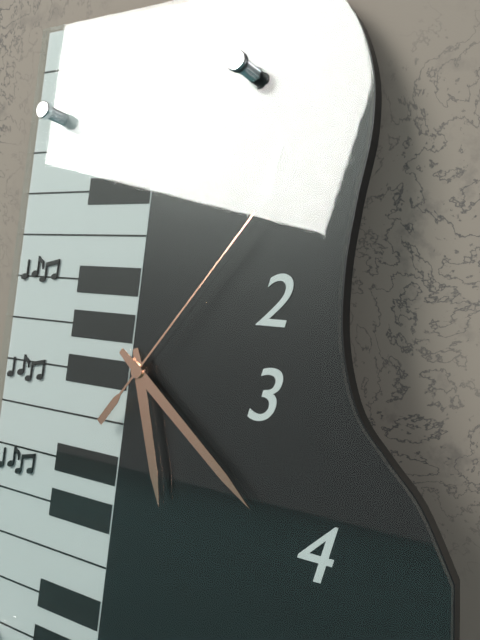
**5:21:06**
